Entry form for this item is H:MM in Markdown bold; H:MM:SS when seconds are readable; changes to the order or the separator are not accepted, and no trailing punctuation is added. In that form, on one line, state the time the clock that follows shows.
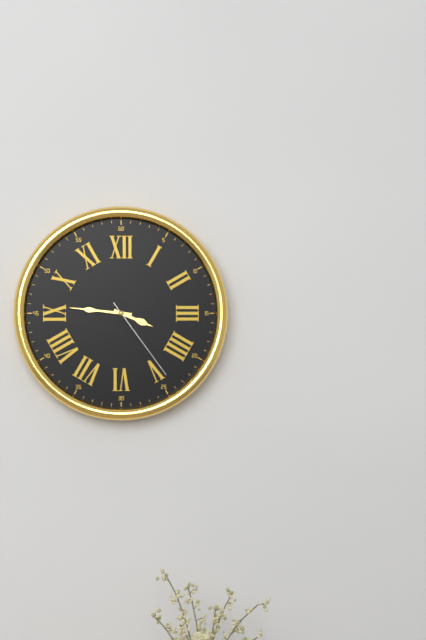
**3:46:24**
